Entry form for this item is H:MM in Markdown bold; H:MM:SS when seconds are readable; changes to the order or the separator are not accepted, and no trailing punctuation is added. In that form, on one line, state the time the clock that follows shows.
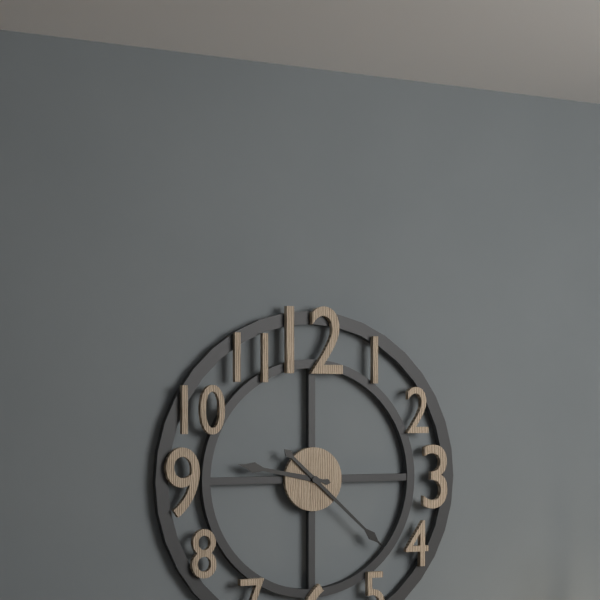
**9:22**
